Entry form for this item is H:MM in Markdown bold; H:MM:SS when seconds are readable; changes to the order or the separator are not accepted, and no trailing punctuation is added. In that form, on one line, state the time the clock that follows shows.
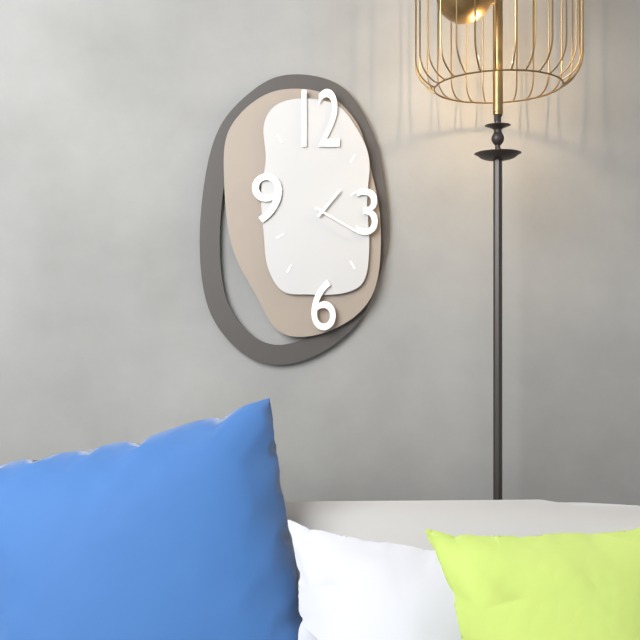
**1:20**
